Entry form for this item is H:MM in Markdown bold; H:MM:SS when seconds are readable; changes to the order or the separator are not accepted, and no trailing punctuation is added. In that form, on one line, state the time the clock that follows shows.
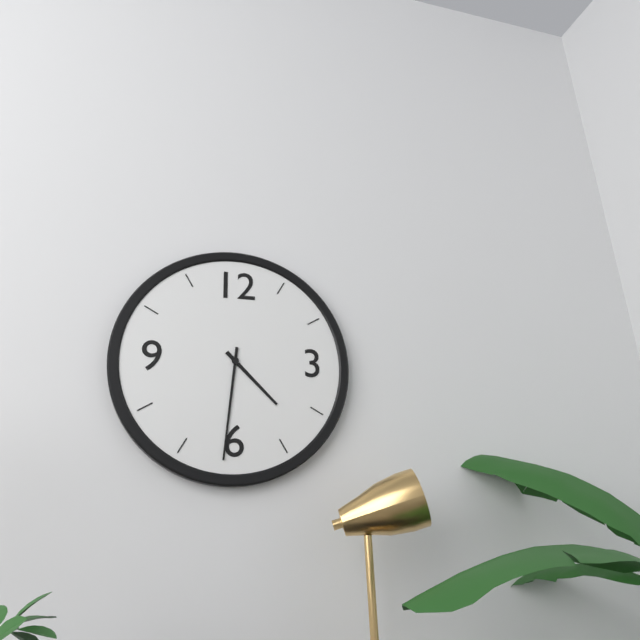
**4:31**
